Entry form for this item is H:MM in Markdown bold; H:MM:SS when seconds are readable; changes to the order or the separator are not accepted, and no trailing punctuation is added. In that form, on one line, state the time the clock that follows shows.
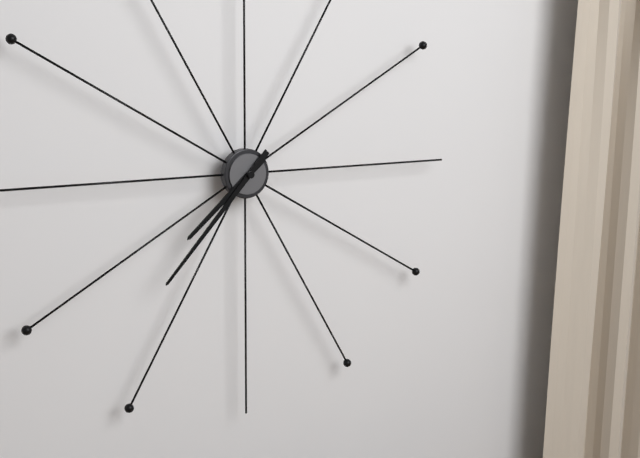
**7:37**
